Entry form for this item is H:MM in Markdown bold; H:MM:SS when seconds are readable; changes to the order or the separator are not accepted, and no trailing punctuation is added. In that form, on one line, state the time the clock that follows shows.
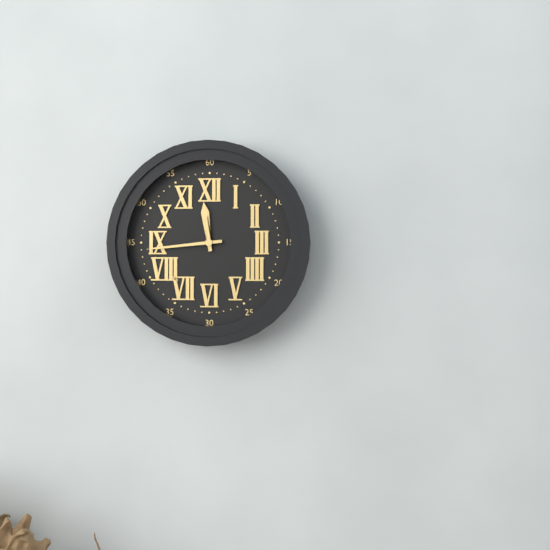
**11:44**
